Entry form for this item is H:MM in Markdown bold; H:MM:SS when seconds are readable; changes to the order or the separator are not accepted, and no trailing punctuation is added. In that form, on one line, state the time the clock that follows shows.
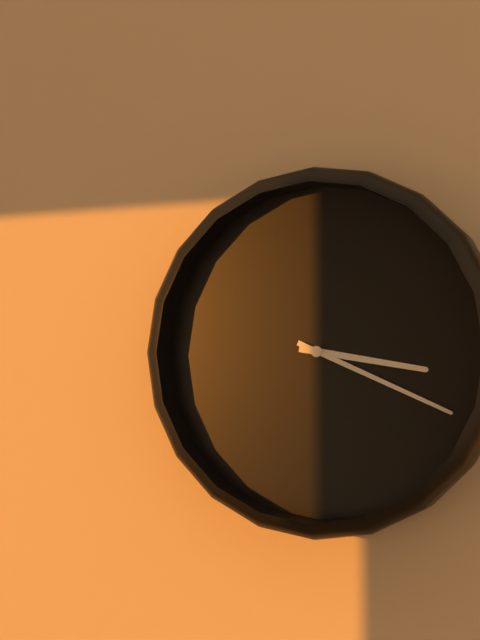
**3:19**
